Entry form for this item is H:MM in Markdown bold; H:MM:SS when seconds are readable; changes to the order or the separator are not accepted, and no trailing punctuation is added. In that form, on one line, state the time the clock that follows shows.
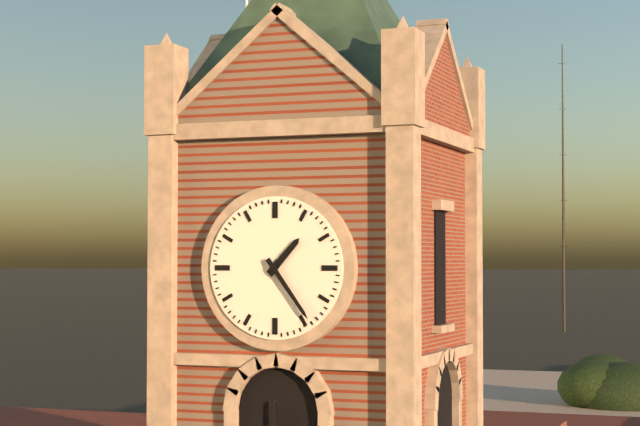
**1:24**
